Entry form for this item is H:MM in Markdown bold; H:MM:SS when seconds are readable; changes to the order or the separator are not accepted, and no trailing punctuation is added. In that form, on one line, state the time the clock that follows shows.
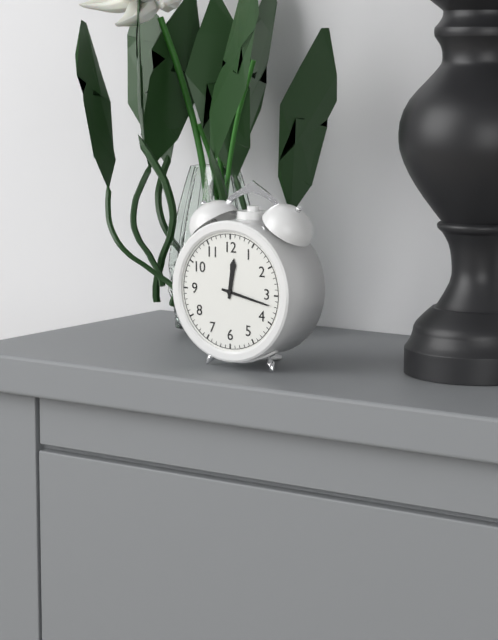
**12:17**
